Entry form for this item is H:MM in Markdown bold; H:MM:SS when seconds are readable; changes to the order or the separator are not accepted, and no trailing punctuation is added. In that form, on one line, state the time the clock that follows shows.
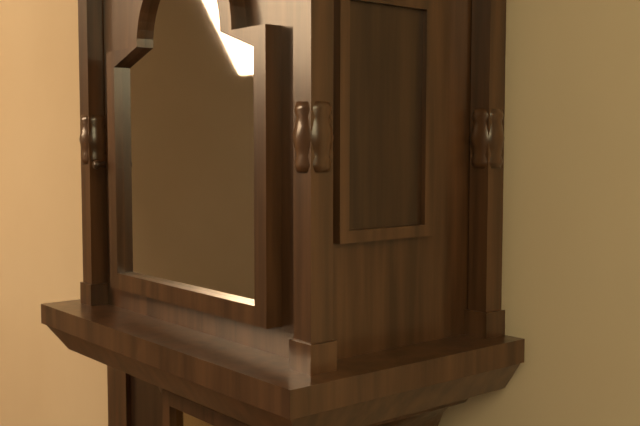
**10:17**
